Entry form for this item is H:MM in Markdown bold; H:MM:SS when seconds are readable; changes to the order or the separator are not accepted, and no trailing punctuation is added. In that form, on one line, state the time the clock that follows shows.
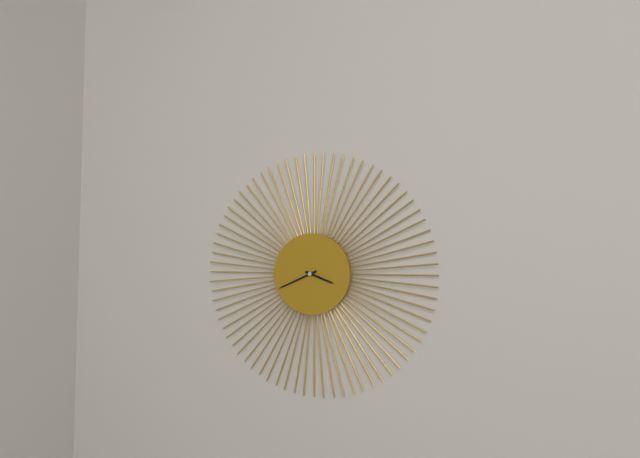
**3:41**
